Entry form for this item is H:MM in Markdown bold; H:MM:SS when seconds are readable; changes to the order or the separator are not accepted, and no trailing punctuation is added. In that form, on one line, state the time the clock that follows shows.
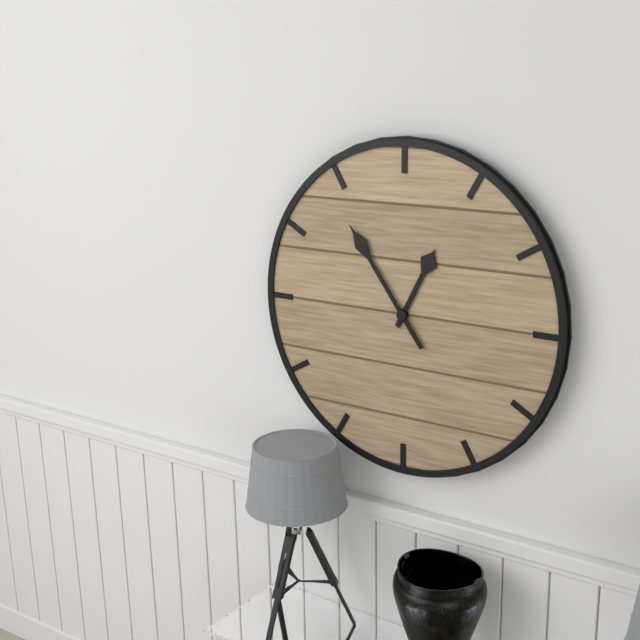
**12:54**
